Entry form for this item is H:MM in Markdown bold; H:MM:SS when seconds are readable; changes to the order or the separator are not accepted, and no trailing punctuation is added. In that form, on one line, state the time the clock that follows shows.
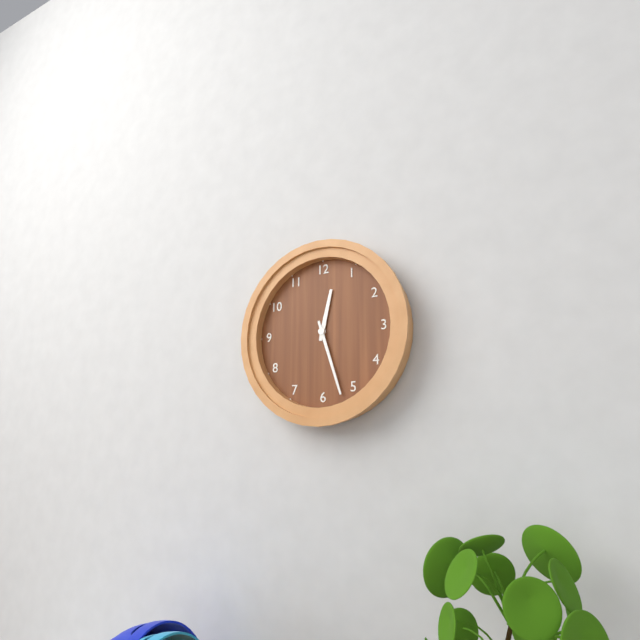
**12:27**
